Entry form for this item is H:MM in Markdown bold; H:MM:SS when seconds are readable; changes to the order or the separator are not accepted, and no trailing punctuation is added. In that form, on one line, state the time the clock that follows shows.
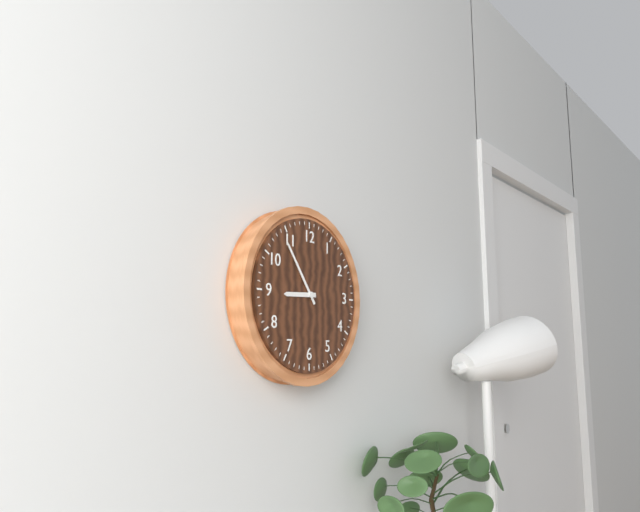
**8:54**
